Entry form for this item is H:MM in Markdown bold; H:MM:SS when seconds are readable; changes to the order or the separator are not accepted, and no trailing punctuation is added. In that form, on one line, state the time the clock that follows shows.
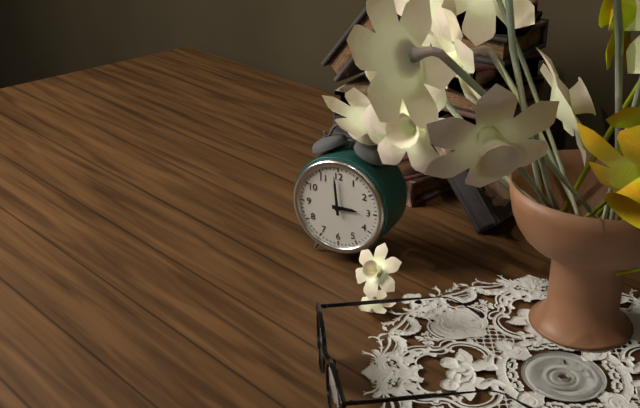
**2:59**
